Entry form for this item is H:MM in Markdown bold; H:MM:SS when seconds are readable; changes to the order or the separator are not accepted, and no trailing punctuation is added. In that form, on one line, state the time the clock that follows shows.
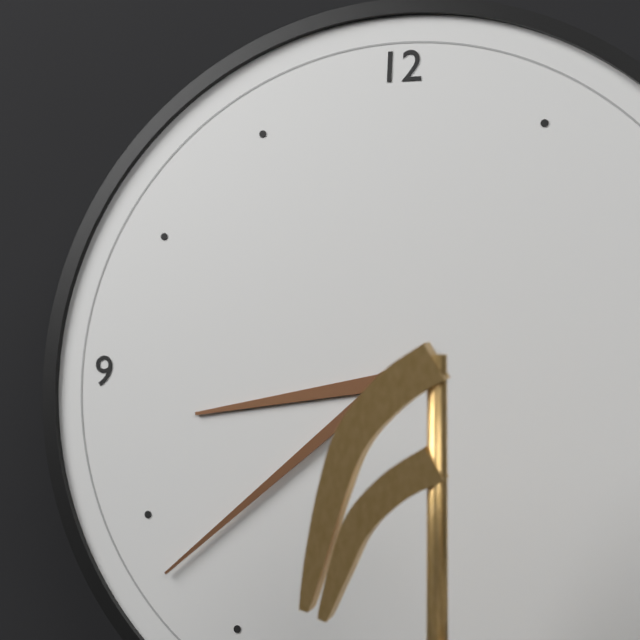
**8:38**
